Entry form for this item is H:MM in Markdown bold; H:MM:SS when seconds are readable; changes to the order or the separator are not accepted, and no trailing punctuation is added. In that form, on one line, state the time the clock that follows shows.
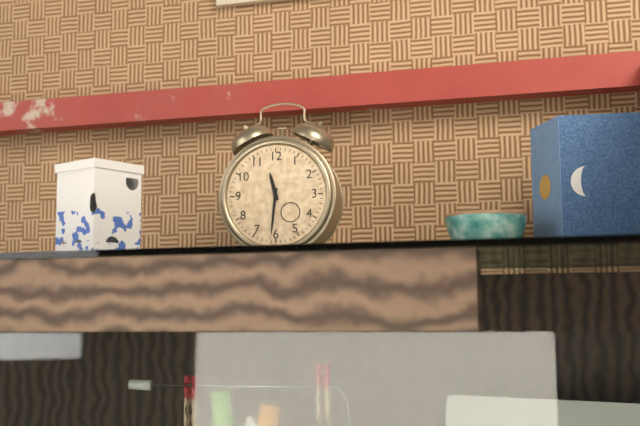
**11:31**
